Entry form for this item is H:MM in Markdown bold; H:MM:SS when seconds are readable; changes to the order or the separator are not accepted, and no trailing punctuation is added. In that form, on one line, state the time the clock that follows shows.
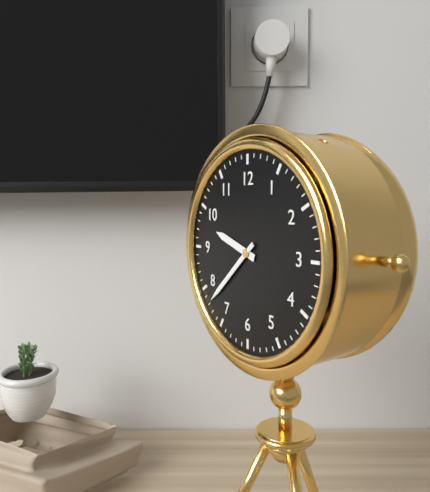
**9:38**
